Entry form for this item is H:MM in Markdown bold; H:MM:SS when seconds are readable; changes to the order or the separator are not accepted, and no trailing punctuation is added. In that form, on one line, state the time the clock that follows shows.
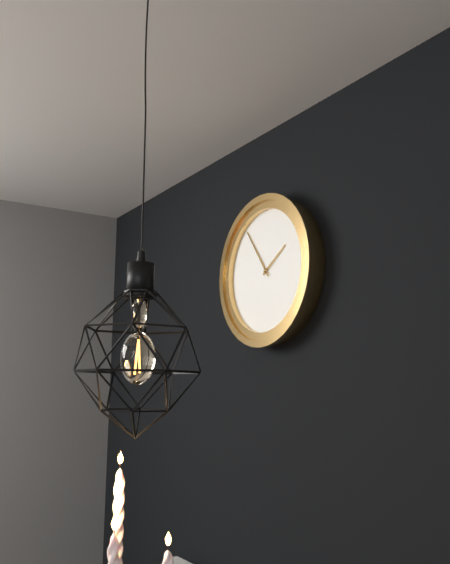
**1:54**
